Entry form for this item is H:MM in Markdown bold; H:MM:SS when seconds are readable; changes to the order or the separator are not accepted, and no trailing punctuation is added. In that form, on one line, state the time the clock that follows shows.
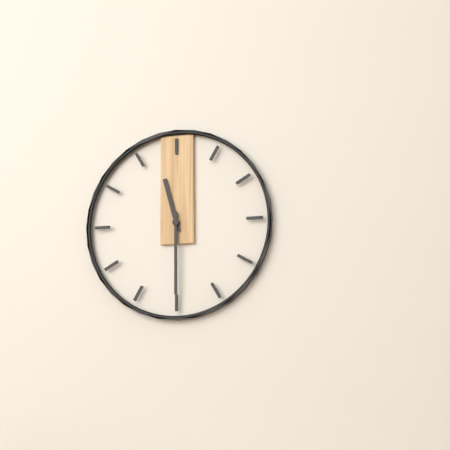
**11:30**
